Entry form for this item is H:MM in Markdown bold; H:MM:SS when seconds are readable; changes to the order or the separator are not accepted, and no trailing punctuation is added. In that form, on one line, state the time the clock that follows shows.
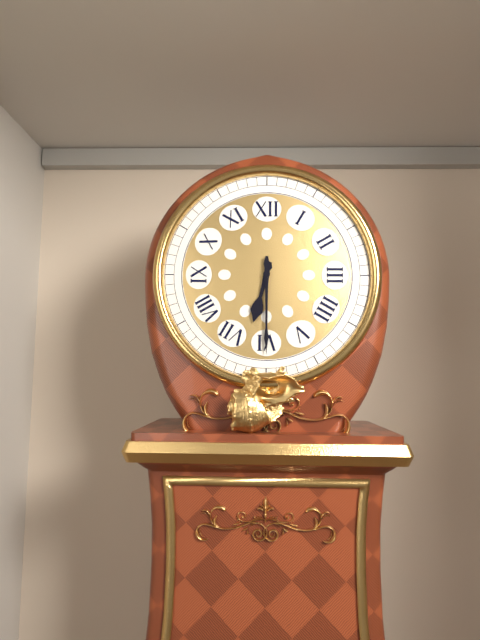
**6:30**
